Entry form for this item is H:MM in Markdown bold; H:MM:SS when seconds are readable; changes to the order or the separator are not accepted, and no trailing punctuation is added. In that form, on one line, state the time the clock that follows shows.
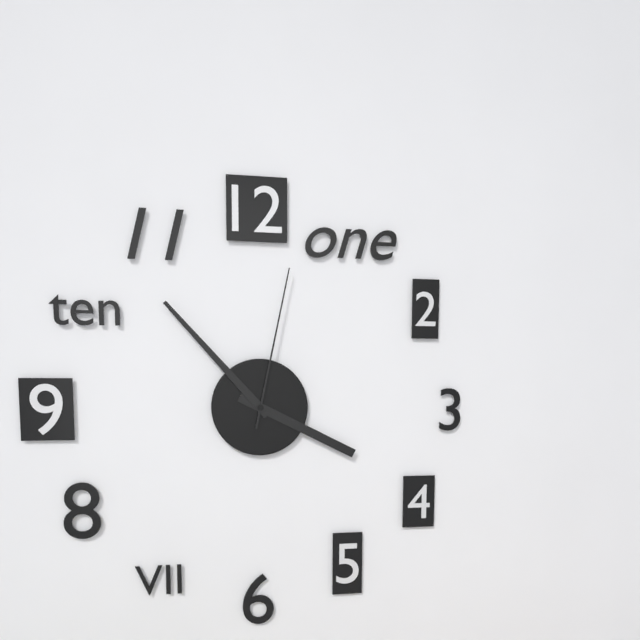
**3:53:02**
